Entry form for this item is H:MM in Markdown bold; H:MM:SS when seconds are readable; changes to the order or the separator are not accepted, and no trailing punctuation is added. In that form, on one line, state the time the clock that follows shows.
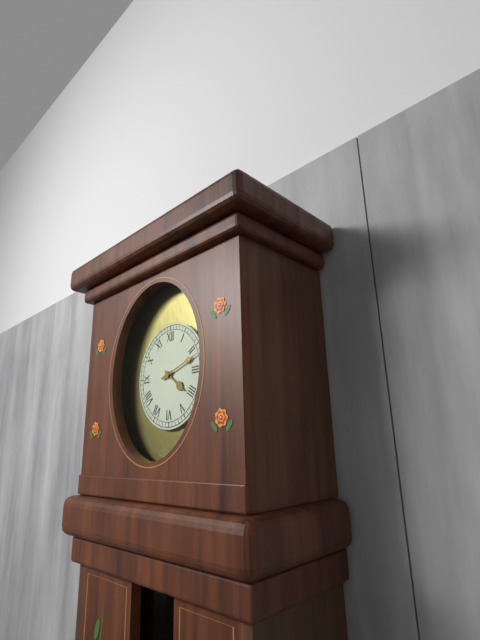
**4:12**
